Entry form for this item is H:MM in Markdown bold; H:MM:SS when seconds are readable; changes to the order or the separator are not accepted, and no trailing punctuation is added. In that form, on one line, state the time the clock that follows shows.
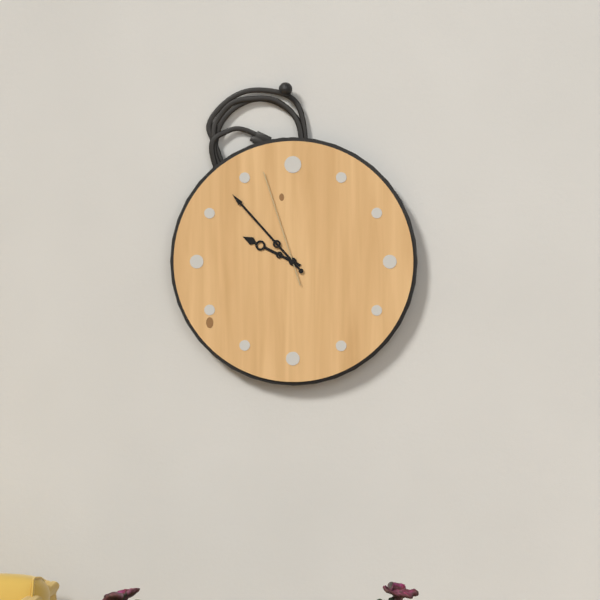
**9:53:57**
